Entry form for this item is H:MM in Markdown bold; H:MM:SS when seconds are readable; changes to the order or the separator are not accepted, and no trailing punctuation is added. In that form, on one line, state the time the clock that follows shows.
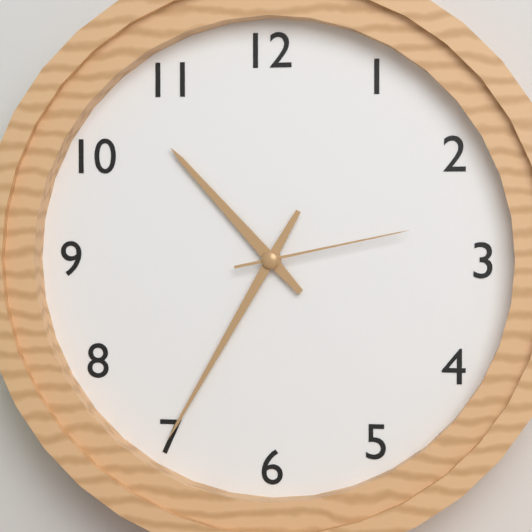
**10:35:13**
